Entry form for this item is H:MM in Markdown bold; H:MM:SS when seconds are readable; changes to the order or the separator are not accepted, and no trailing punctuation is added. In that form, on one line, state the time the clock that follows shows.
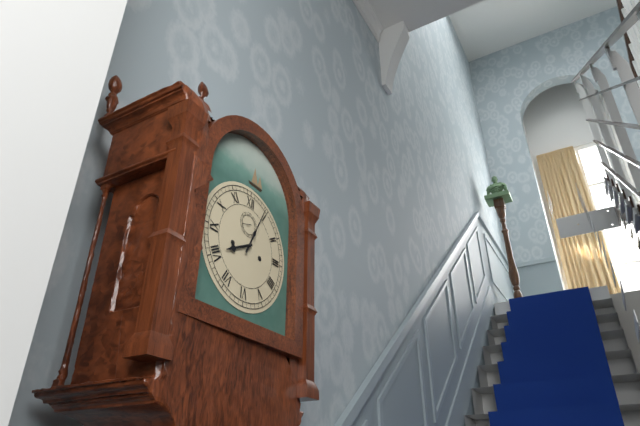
**8:04**
